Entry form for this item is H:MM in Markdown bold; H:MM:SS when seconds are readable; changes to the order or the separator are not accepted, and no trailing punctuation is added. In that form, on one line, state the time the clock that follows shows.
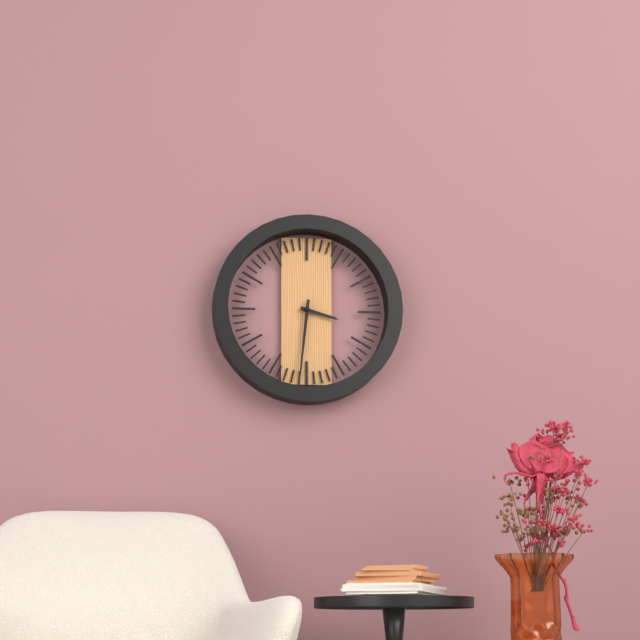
**3:31**
